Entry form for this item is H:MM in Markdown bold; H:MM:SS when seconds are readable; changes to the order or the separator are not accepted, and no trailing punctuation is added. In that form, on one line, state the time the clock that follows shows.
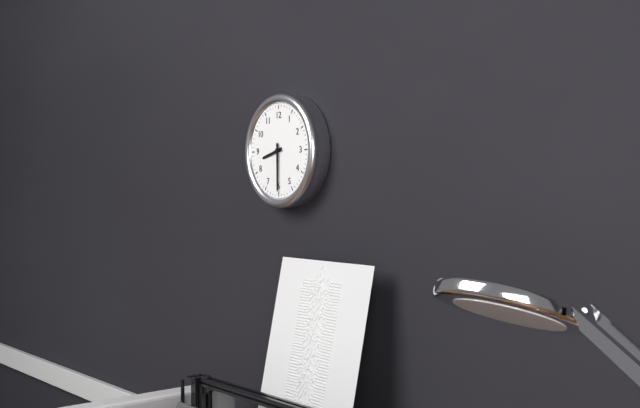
**8:30**
